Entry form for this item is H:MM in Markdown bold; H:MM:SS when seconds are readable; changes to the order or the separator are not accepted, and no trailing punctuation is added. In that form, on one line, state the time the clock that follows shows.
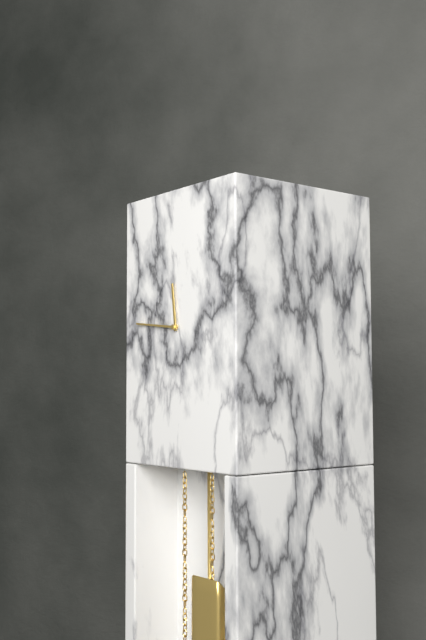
**11:46**
